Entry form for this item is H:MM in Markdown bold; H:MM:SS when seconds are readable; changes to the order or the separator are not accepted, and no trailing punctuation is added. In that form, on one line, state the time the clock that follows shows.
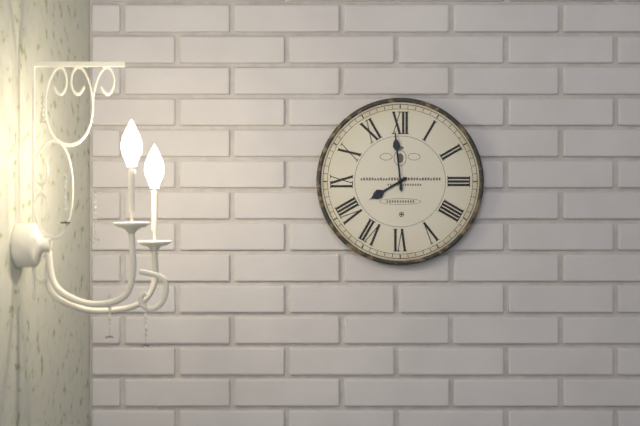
**7:59**
